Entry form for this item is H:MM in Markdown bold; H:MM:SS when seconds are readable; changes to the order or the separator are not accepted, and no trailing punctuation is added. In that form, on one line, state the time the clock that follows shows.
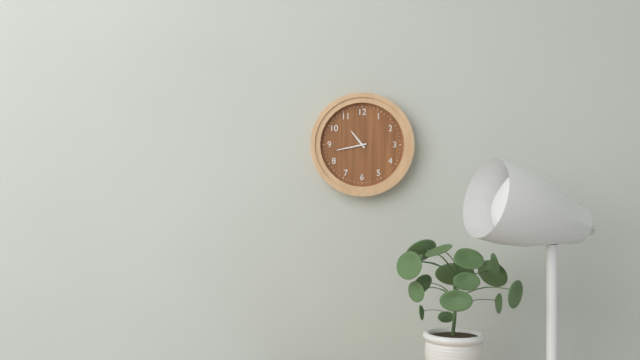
**10:43**
